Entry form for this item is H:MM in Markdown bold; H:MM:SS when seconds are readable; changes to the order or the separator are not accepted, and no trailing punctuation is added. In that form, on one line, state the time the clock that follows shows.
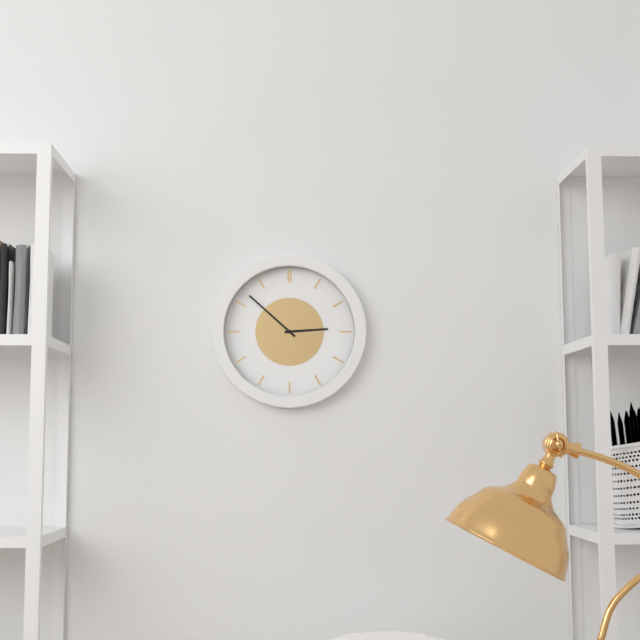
**2:52**
